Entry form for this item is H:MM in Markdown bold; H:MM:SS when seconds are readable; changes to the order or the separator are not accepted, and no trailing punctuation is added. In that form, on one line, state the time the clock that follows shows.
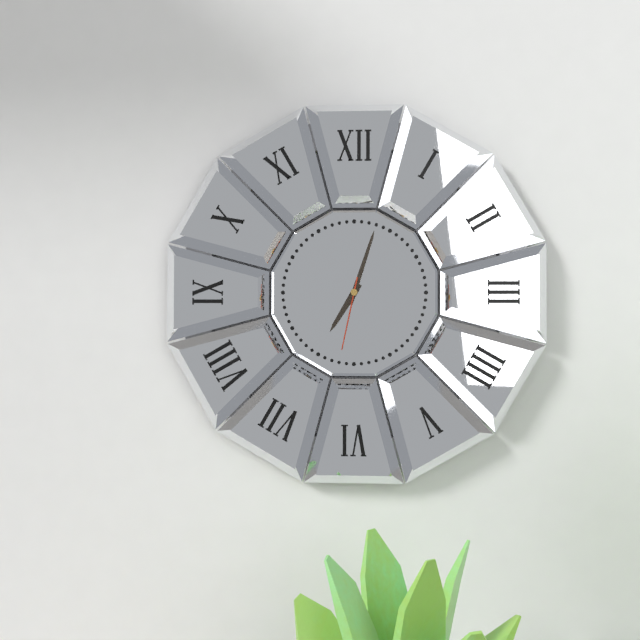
**7:03:32**
